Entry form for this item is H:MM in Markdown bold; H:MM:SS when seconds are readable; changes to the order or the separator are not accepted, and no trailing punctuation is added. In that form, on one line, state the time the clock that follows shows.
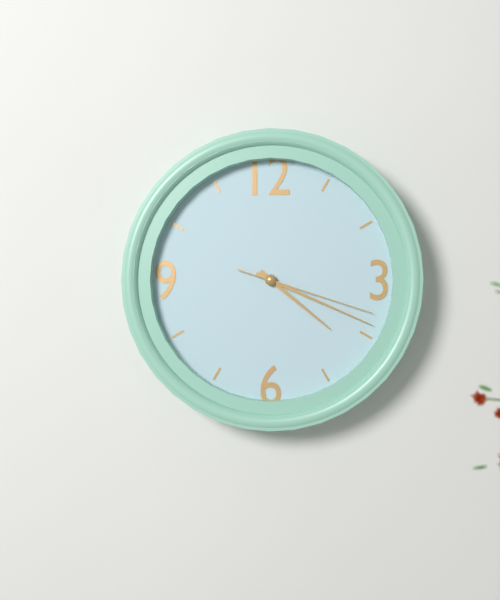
**4:19:18**
